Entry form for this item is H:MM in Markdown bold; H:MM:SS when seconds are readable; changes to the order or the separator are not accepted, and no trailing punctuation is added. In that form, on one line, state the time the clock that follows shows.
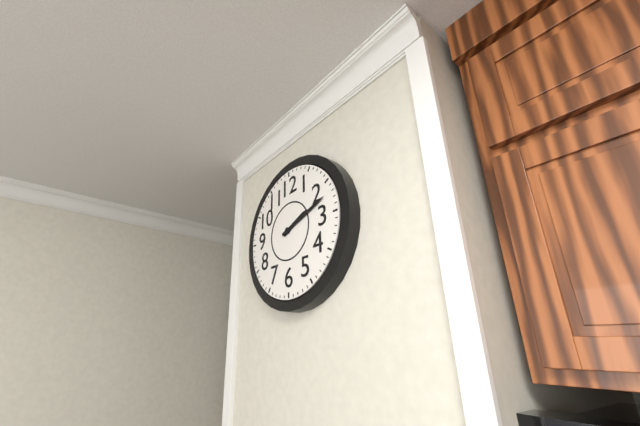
**2:12**
